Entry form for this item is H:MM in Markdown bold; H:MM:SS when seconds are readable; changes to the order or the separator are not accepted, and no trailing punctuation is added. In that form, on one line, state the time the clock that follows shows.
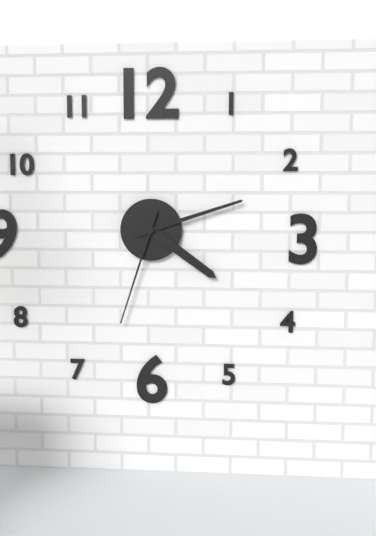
**4:12:33**
